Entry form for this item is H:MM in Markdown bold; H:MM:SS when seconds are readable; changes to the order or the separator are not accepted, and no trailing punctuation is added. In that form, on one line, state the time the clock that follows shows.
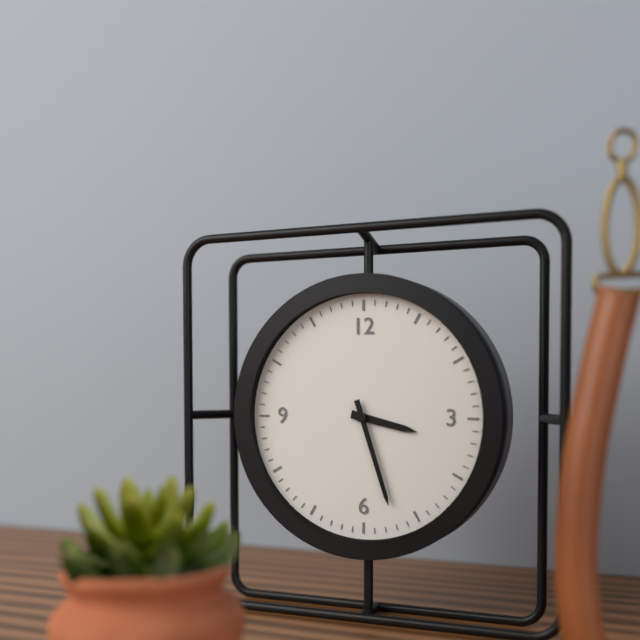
**3:27**
